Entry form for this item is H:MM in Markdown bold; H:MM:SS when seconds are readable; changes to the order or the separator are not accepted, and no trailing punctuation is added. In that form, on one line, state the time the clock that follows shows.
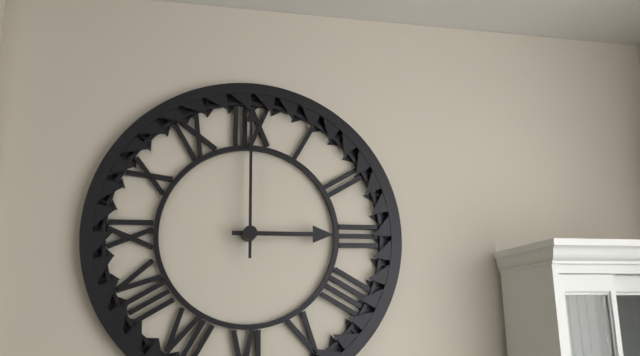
**3:00**
